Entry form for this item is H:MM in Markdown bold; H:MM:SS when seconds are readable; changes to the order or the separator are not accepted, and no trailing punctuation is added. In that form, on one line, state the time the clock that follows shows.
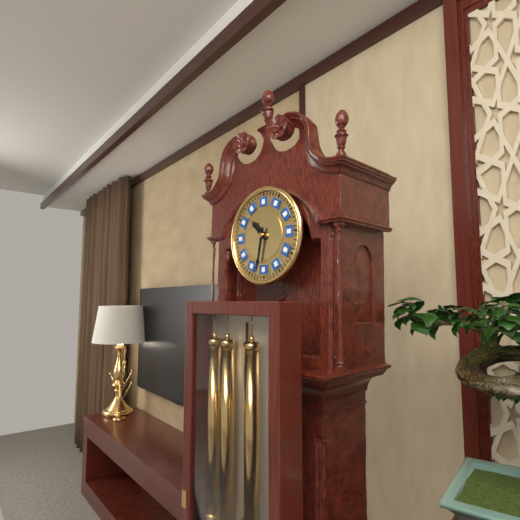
**10:32**
